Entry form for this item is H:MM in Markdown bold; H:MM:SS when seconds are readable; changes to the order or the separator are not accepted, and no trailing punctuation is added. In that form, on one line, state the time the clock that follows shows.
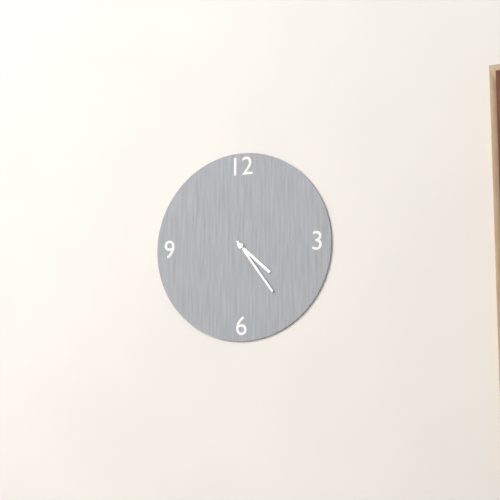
**4:24**
